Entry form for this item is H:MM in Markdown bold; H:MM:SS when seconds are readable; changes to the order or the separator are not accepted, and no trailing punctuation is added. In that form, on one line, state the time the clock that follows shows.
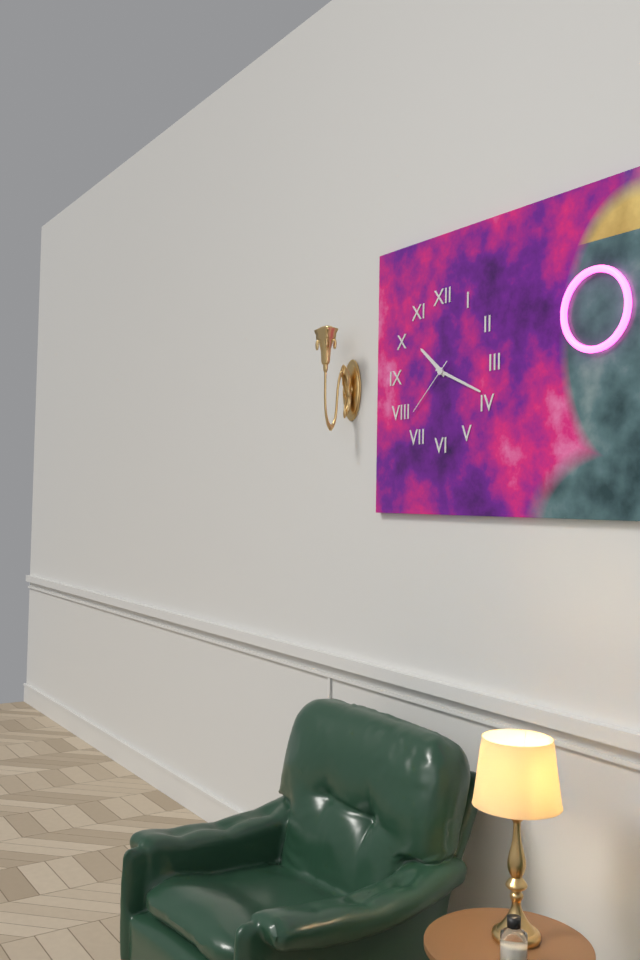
**10:19:38**
